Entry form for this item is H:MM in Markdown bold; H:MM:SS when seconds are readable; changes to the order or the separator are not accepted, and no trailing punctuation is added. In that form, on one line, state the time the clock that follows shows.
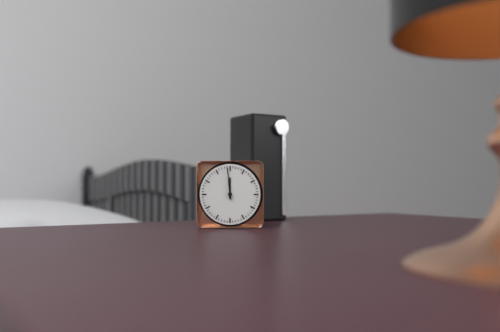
**11:59**
